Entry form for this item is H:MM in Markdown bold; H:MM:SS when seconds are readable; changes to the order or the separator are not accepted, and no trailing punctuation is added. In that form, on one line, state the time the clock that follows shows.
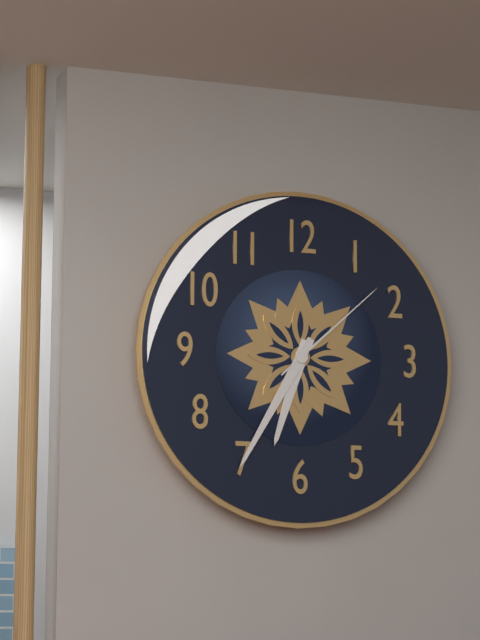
**6:35:08**
